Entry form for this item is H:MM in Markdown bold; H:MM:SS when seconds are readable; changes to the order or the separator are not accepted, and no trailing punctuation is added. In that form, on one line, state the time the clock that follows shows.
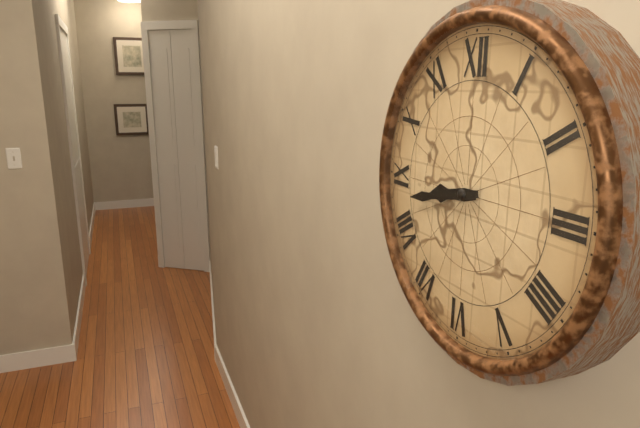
**8:43**
